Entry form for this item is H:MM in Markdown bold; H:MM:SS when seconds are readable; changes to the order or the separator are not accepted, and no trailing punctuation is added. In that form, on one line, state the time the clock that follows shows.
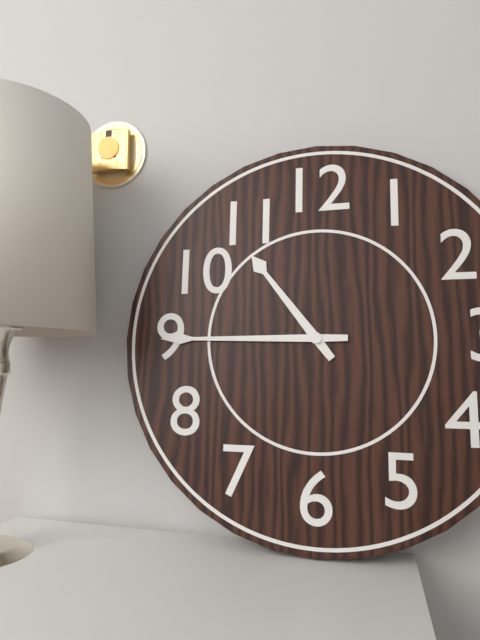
**10:45**
